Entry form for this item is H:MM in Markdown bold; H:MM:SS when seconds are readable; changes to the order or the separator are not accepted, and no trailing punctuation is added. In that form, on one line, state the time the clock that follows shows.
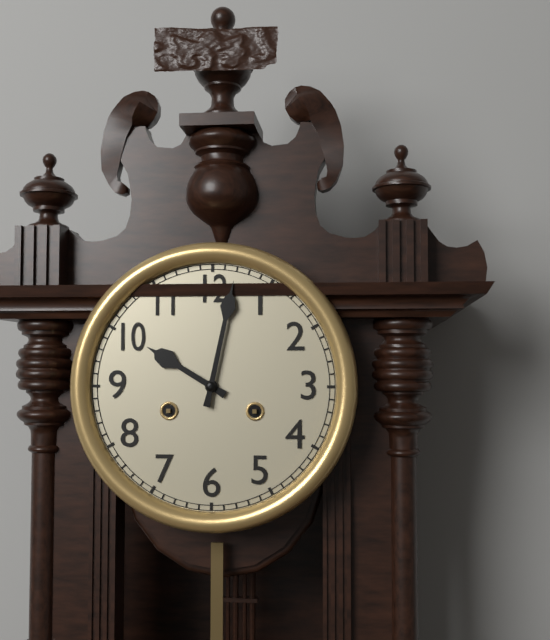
**10:02**
